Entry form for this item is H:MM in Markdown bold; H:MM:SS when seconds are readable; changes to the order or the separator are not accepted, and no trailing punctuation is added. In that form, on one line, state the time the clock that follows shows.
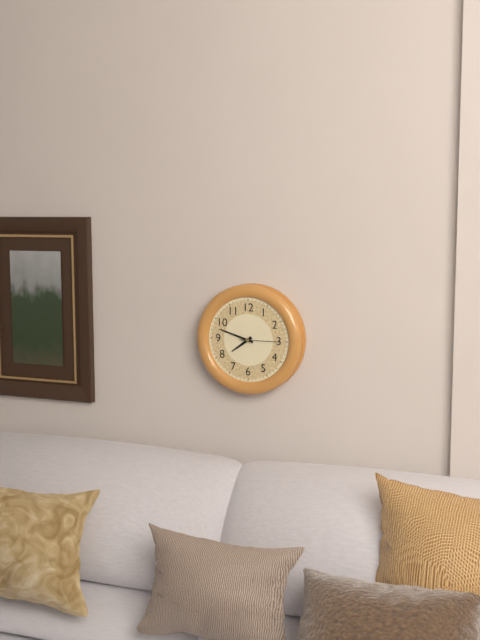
**7:48**
